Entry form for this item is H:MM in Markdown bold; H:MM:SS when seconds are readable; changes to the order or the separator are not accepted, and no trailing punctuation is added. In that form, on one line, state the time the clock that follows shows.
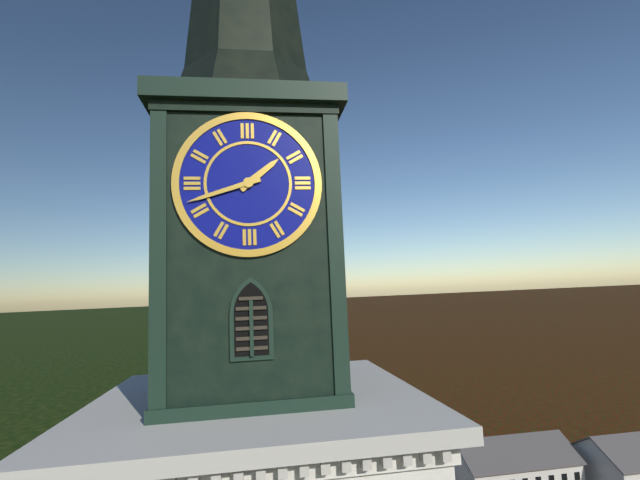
**1:42**
